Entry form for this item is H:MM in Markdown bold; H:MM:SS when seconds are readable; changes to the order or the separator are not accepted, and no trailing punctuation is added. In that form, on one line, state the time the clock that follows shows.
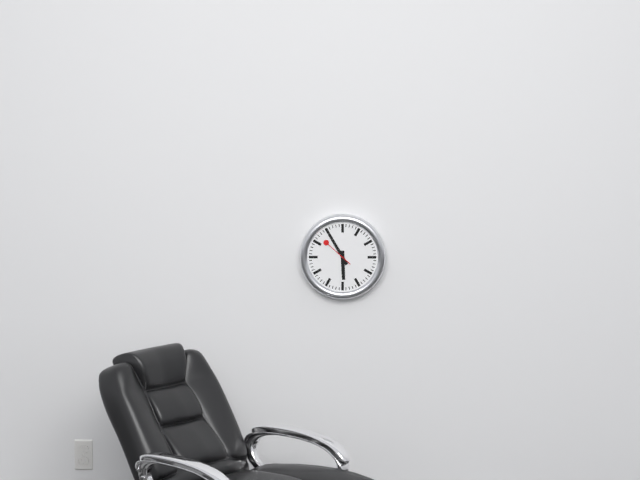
**5:55**
